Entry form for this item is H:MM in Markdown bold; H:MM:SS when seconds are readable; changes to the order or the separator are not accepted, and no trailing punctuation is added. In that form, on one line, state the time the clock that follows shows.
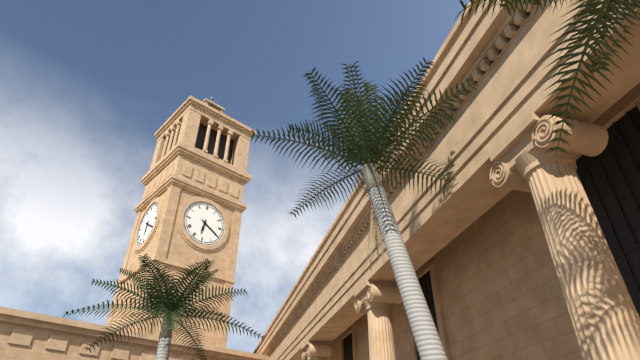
**6:20**
